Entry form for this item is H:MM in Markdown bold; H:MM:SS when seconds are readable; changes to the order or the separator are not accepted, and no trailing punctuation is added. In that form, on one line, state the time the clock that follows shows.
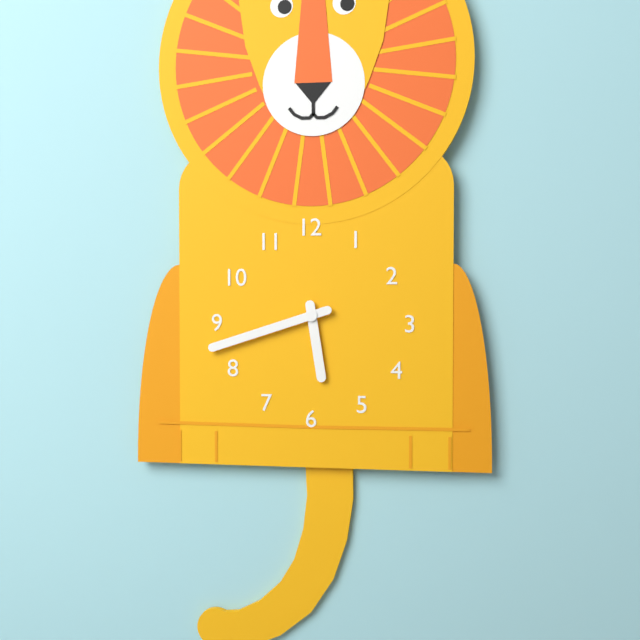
**5:42**
